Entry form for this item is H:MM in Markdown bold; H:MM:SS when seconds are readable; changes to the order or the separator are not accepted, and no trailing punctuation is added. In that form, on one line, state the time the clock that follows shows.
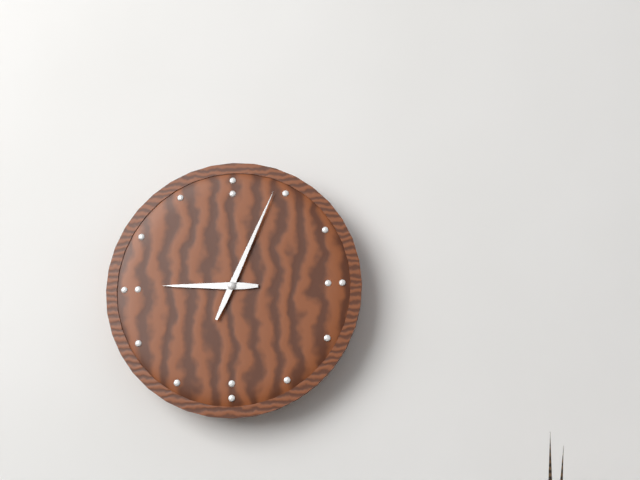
**9:04**
